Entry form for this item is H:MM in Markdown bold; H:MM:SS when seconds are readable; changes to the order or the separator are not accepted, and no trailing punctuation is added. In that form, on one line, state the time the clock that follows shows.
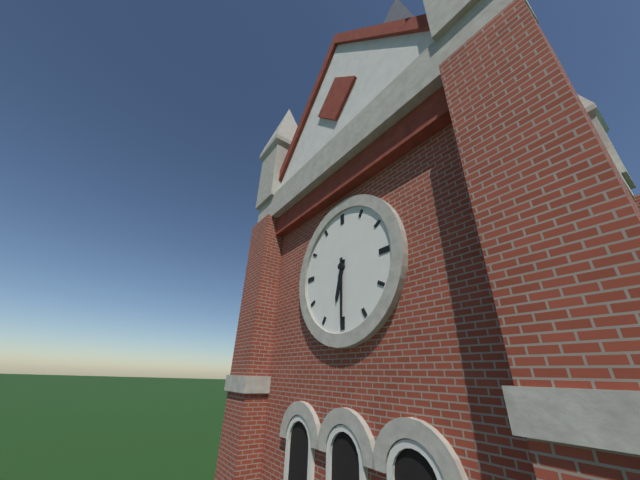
**6:30**
